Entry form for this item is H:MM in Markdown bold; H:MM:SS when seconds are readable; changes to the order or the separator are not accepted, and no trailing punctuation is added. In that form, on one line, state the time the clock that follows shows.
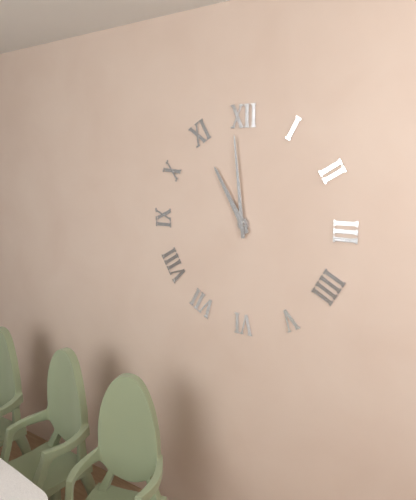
**10:59**
